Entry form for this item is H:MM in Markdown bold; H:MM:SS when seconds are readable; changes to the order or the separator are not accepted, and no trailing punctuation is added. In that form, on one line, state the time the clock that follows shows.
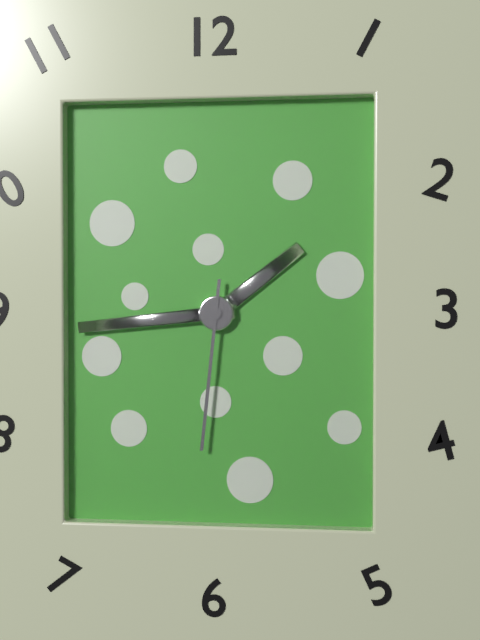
**1:44:31**
